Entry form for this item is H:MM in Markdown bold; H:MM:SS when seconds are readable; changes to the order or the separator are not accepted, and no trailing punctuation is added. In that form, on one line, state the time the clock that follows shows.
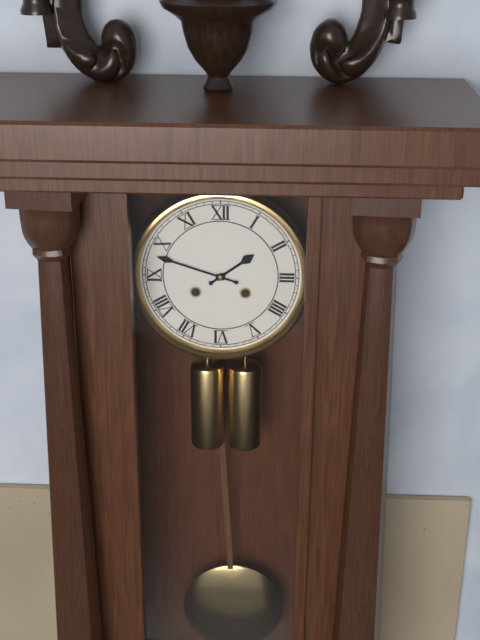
**1:48**
